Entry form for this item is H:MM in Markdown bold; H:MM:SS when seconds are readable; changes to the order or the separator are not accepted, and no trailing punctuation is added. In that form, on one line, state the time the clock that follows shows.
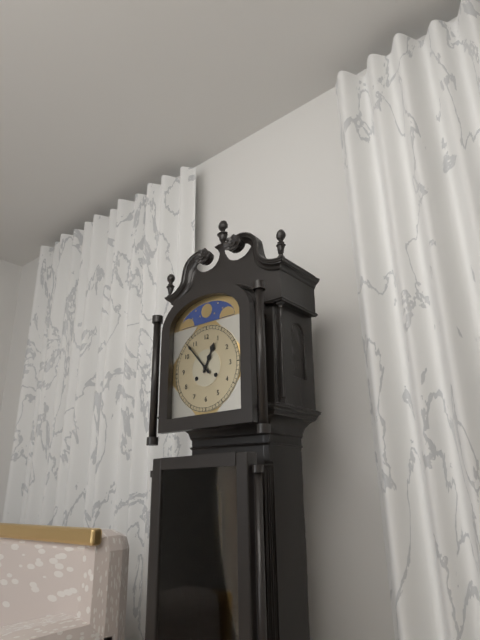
**12:53**
